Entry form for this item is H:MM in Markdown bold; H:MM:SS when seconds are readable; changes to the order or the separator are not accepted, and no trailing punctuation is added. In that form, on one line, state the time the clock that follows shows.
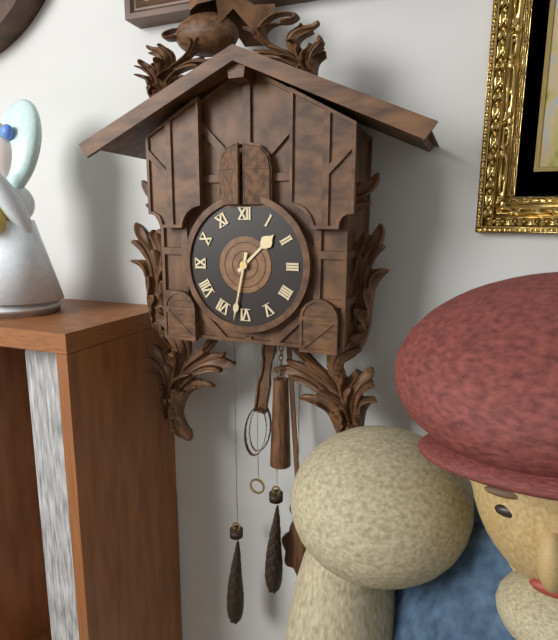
**1:32**
